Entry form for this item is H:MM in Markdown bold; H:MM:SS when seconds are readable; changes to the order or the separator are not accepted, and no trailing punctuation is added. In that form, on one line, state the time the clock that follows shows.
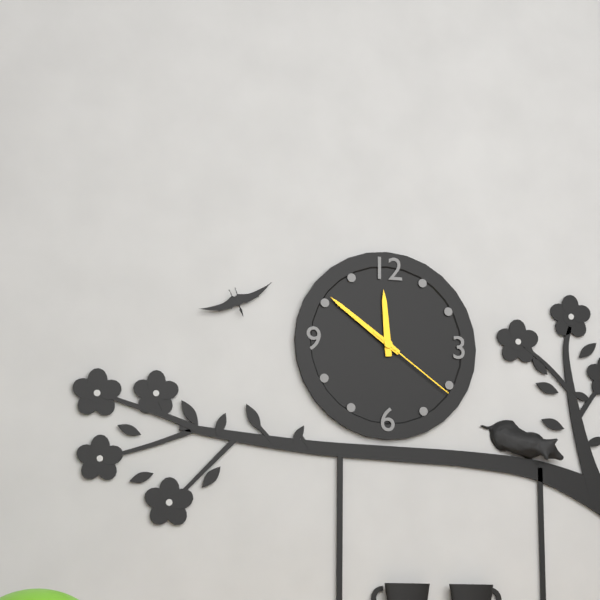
**11:51:21**
